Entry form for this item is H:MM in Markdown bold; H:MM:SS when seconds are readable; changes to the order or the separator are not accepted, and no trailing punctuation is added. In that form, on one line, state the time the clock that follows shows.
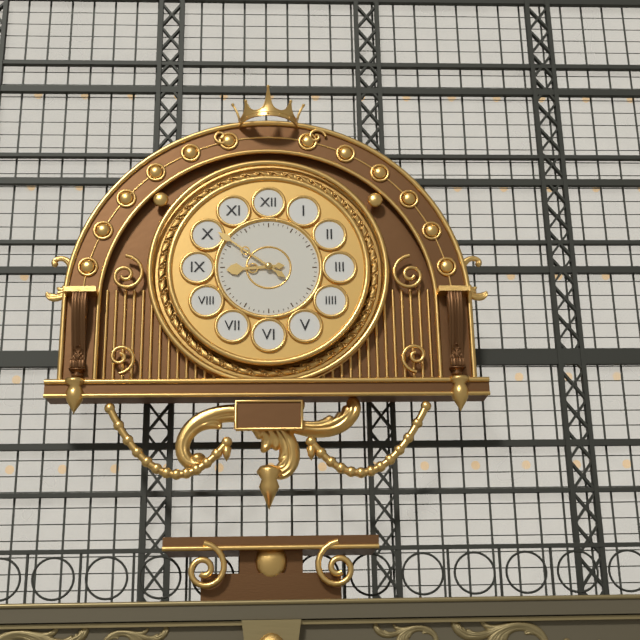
**8:51**
